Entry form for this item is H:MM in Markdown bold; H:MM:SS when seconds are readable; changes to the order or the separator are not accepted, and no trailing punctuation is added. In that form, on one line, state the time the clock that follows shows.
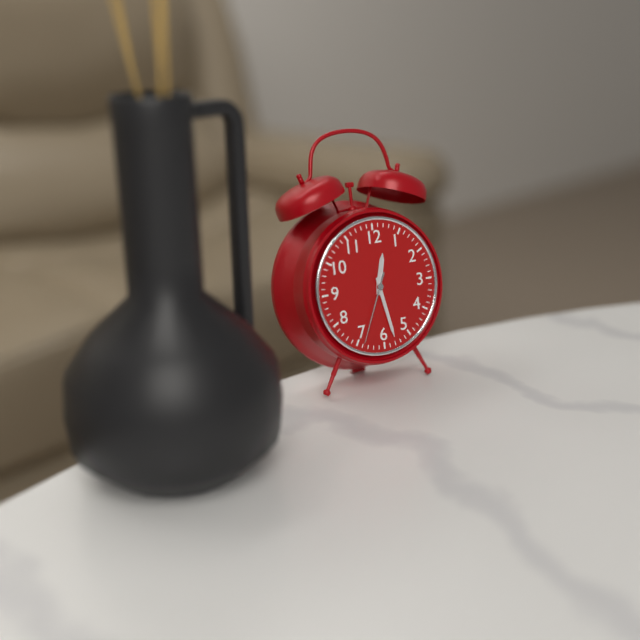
**12:28:34**
